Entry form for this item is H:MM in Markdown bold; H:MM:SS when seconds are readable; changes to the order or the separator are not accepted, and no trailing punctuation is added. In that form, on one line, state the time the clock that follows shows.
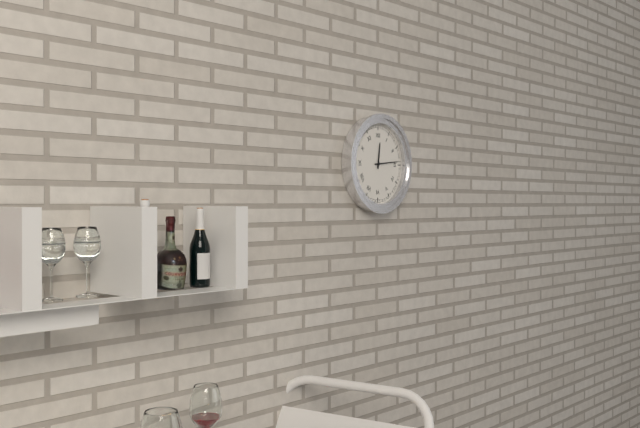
**12:14**
